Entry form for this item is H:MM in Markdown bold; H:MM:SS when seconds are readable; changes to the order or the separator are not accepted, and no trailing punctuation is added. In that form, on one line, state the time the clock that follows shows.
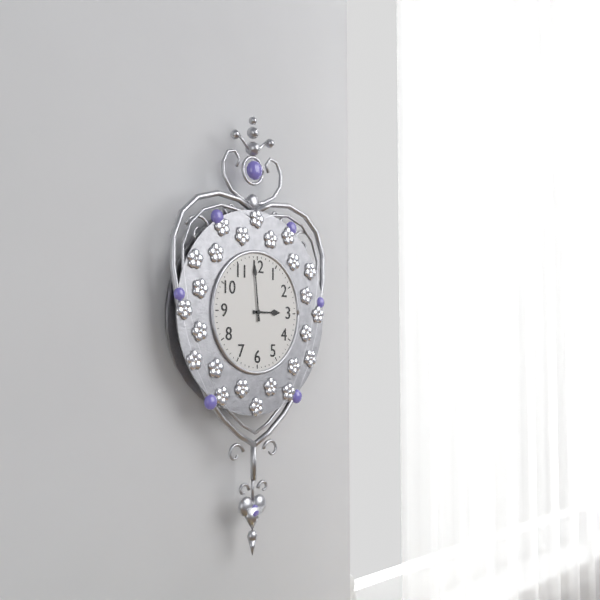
**2:59**
